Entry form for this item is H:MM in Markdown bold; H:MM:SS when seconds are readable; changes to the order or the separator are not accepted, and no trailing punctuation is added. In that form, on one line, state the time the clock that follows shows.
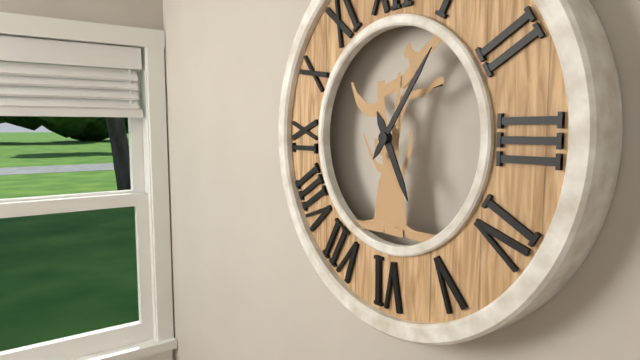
**5:06**
